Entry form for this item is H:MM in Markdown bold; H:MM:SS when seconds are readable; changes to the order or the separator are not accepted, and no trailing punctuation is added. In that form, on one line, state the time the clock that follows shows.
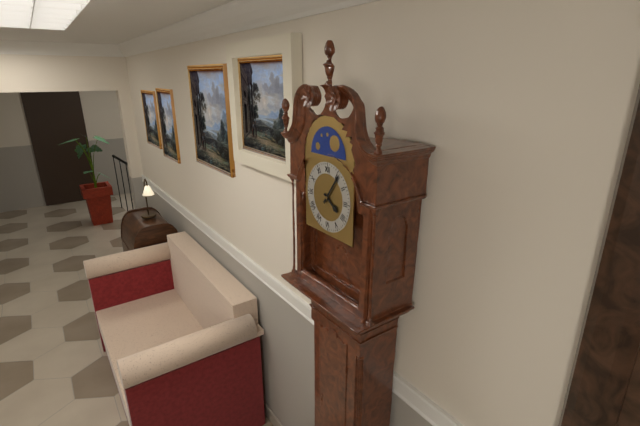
**4:06**
